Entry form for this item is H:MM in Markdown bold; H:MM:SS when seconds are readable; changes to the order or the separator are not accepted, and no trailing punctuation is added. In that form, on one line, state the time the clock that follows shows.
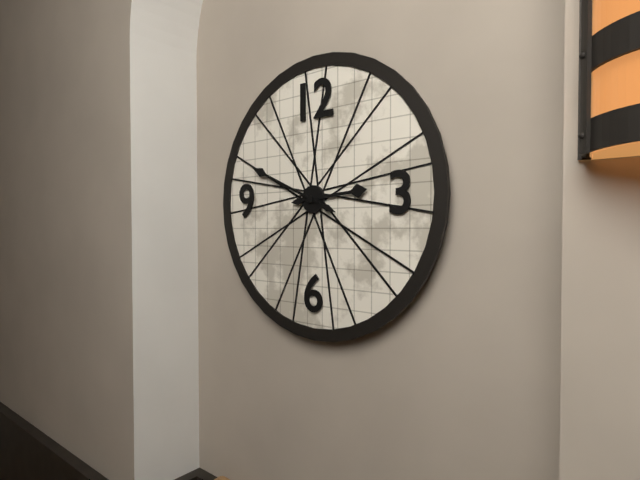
**2:49**
